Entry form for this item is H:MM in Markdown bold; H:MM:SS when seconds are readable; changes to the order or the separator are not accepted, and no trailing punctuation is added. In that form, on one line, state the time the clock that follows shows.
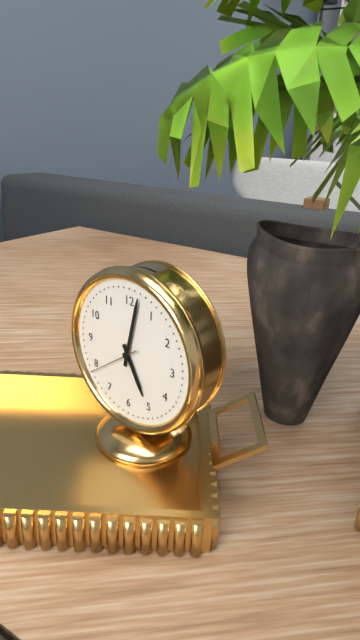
**5:02:39**
